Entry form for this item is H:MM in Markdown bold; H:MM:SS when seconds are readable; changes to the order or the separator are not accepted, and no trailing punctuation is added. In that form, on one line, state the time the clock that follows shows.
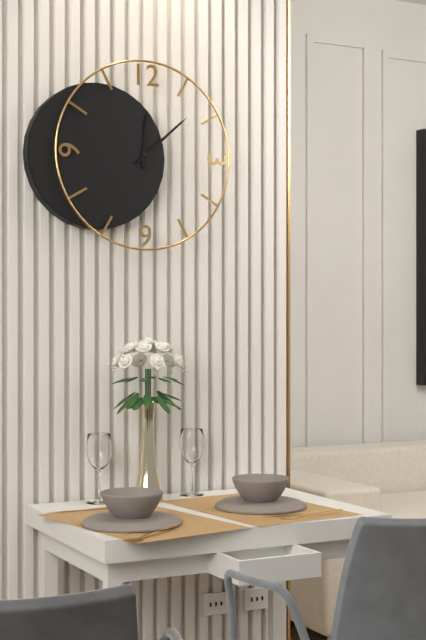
**12:08**
